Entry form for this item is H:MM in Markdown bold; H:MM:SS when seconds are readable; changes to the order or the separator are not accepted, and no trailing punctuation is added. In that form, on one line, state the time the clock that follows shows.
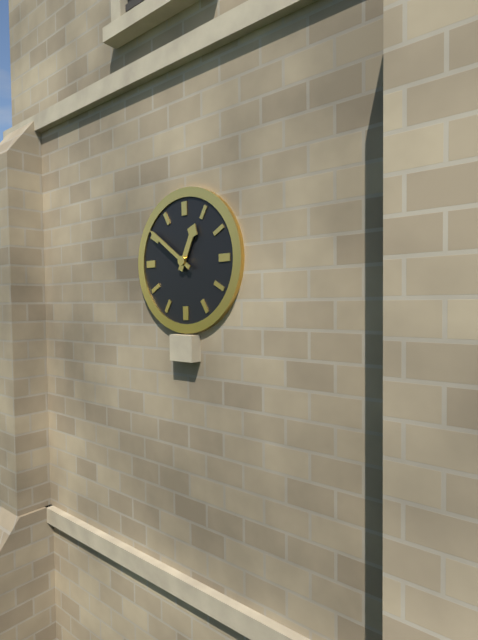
**12:51**
